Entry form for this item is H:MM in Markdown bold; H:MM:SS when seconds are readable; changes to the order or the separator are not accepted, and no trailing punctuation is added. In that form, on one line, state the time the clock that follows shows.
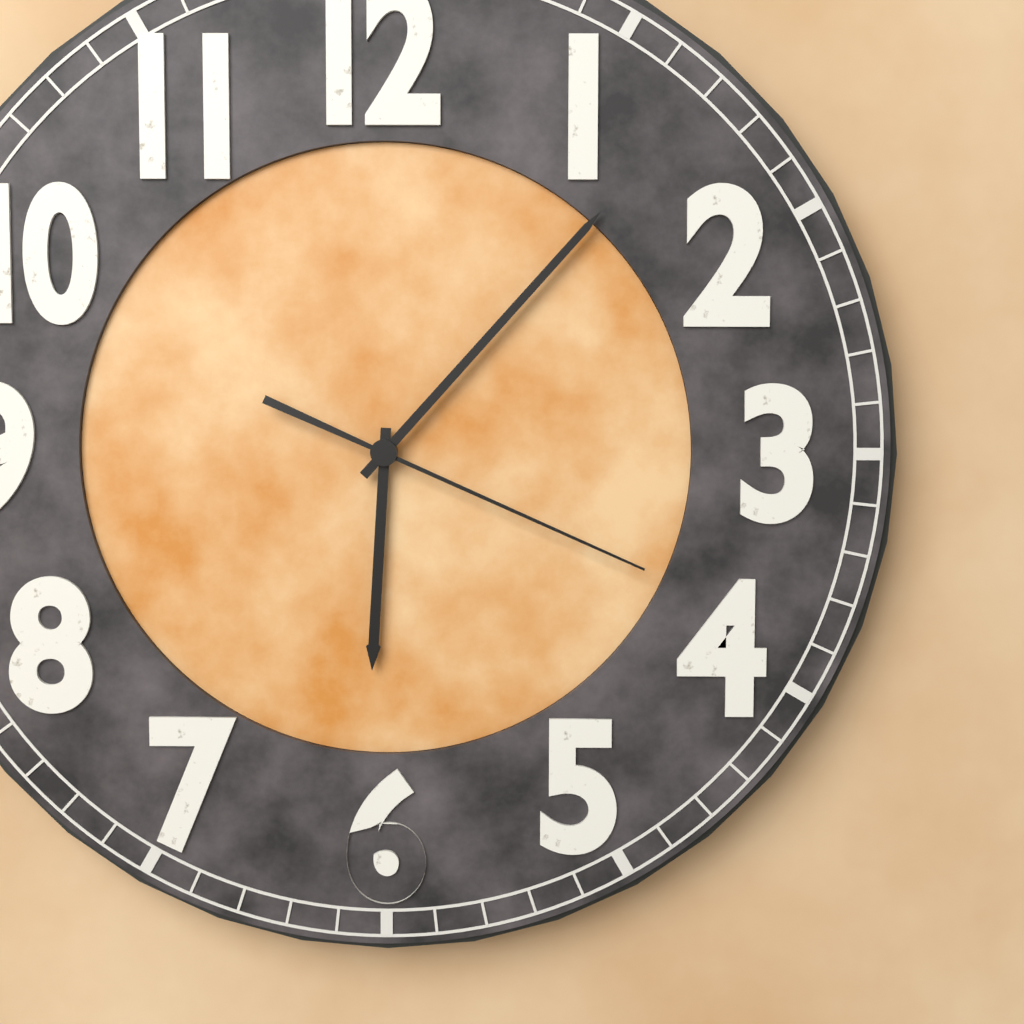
**6:07:19**
